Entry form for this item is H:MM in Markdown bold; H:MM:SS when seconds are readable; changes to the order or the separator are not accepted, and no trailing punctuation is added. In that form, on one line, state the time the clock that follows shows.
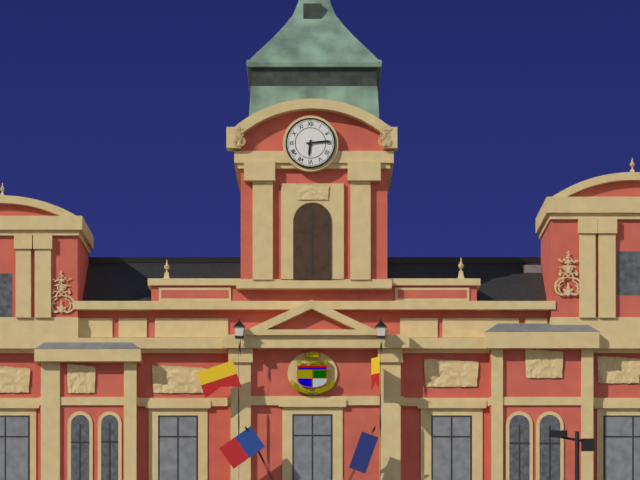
**6:14**
